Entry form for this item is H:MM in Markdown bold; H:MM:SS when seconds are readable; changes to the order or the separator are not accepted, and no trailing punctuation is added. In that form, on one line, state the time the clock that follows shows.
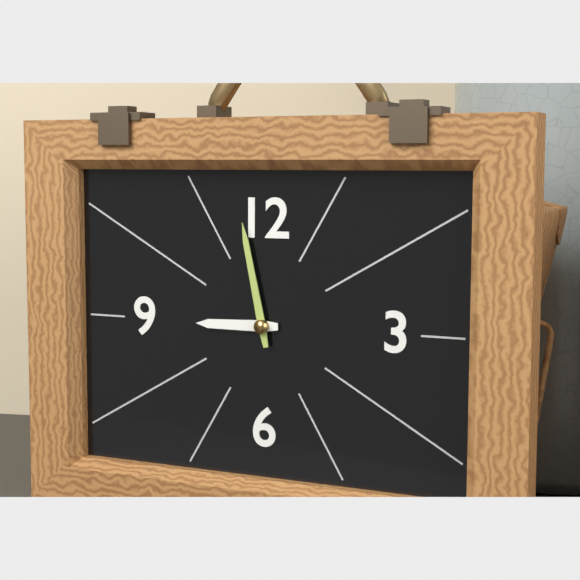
**8:58**
